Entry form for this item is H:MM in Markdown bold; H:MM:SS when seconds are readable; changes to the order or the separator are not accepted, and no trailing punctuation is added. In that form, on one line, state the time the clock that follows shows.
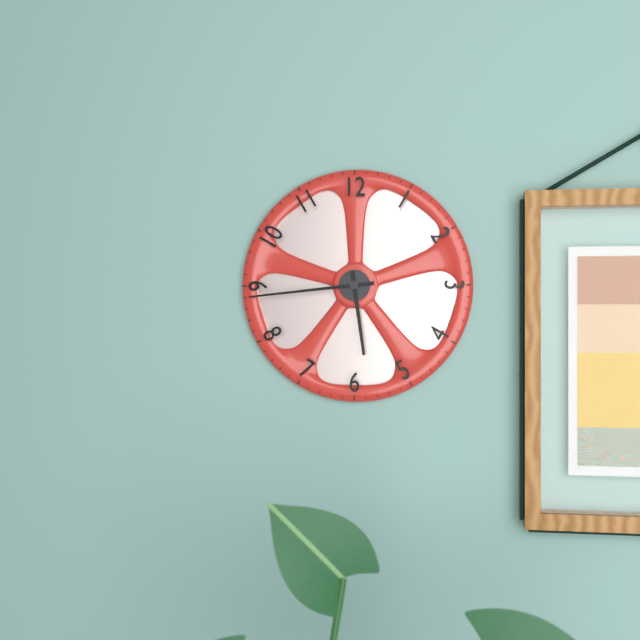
**5:44**
